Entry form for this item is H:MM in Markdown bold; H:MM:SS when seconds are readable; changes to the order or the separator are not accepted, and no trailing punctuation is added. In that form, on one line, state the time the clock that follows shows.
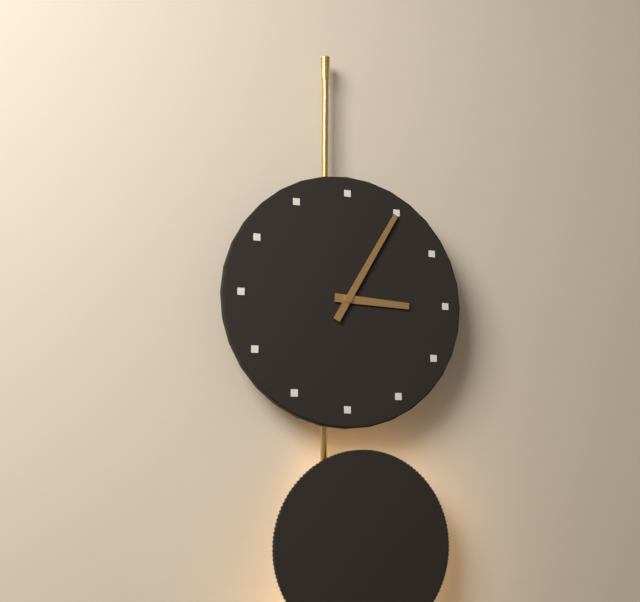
**3:05**
